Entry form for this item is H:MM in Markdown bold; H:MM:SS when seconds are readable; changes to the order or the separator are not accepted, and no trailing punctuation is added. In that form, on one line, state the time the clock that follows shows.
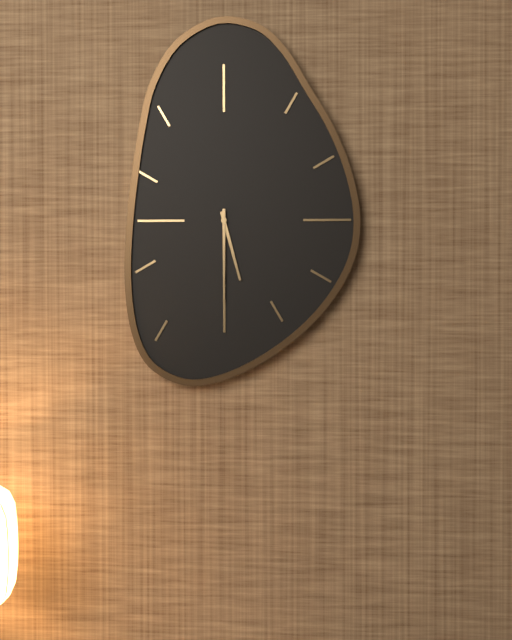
**5:30**
